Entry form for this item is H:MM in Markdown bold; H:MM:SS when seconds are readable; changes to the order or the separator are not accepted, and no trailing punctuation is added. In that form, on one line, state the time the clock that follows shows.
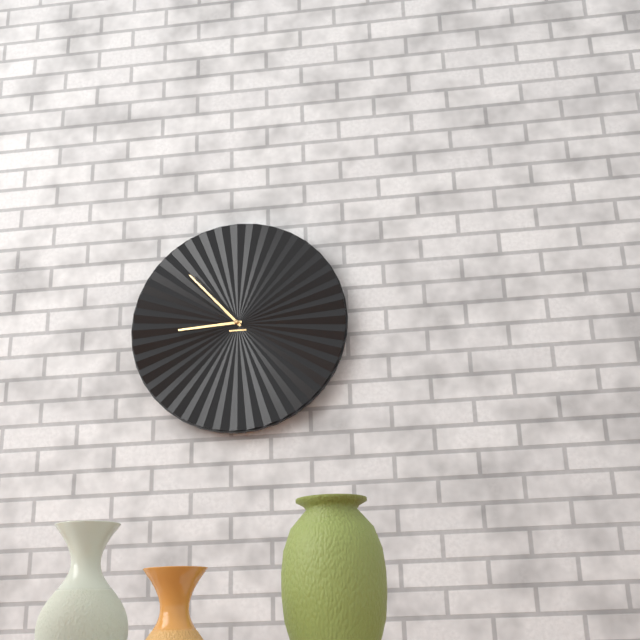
**8:53**
